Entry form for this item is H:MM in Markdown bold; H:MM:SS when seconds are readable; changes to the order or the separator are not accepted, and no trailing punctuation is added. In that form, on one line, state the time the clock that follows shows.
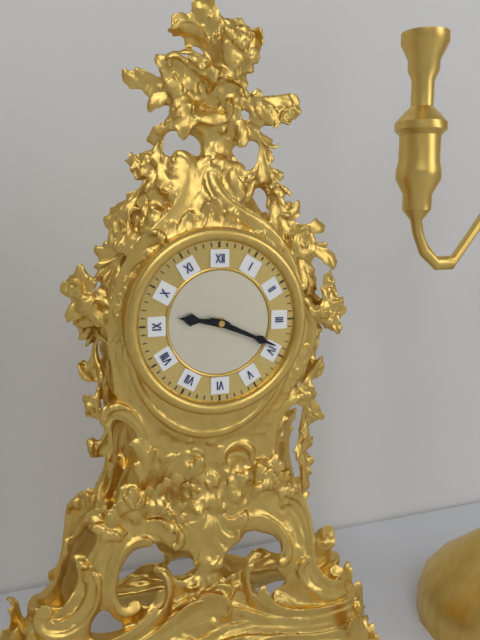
**9:19**
